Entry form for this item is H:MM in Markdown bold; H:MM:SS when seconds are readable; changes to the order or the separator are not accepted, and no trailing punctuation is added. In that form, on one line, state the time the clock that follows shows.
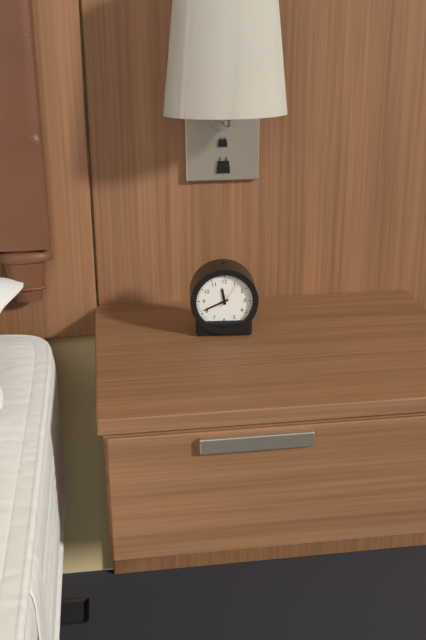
**11:41**
